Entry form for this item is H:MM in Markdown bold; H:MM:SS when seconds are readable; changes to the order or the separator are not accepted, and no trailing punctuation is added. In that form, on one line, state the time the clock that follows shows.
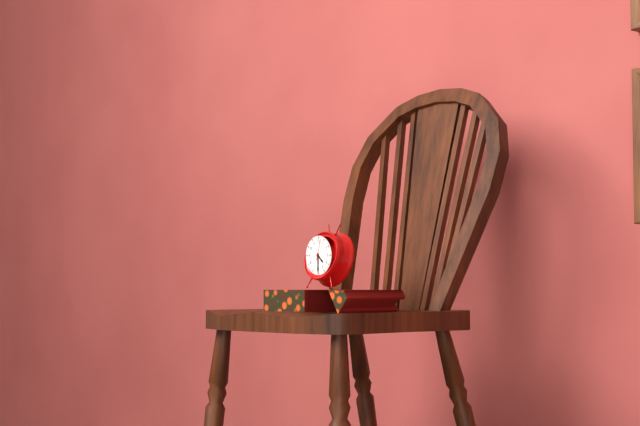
**4:30**
